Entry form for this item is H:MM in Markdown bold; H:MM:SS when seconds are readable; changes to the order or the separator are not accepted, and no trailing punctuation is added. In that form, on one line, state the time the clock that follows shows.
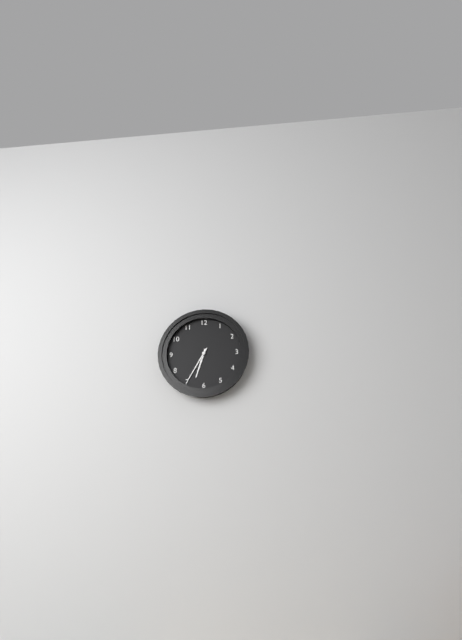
**6:35**
